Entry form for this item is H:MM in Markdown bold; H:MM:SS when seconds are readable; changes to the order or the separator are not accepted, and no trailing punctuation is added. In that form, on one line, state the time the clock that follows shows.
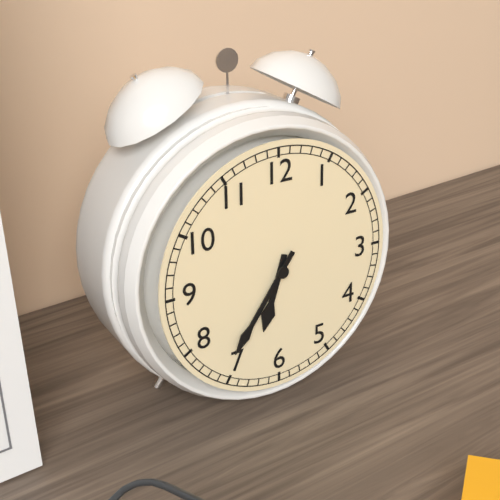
**6:36**
